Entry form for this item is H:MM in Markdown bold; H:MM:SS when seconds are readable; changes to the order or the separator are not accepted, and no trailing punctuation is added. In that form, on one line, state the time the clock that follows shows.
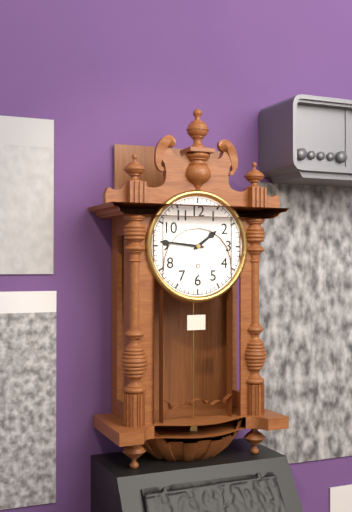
**1:46**
